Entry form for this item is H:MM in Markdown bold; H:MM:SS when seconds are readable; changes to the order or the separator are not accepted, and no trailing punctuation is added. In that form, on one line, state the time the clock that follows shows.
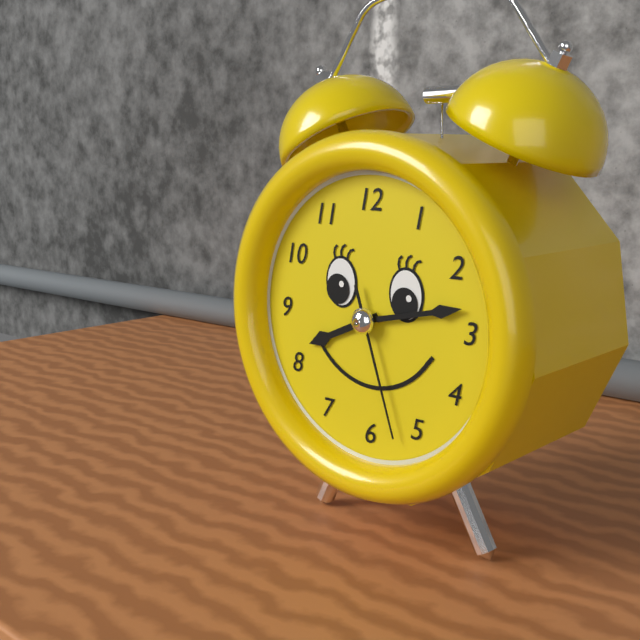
**8:13:27**
